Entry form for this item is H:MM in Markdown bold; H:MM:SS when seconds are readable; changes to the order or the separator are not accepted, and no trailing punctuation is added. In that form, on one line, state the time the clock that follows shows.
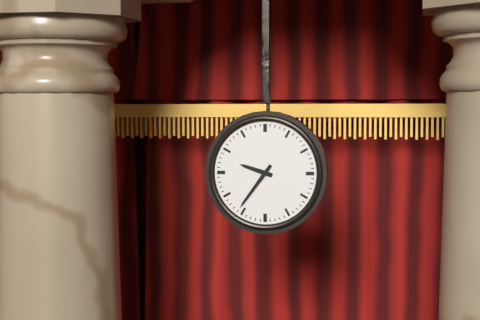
**9:36**
